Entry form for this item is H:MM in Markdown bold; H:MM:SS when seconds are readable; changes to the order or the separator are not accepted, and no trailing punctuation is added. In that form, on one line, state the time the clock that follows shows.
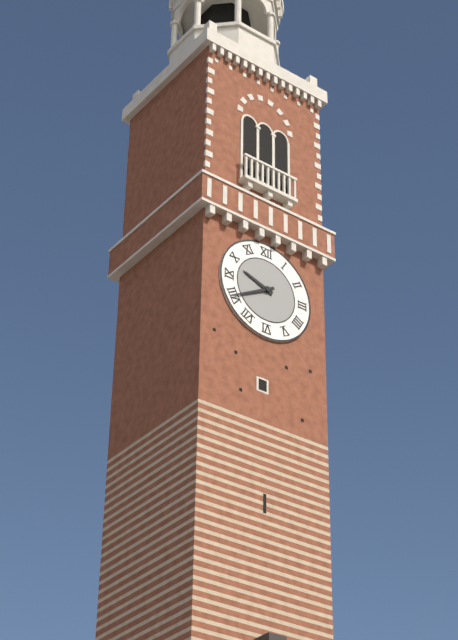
**9:40**
